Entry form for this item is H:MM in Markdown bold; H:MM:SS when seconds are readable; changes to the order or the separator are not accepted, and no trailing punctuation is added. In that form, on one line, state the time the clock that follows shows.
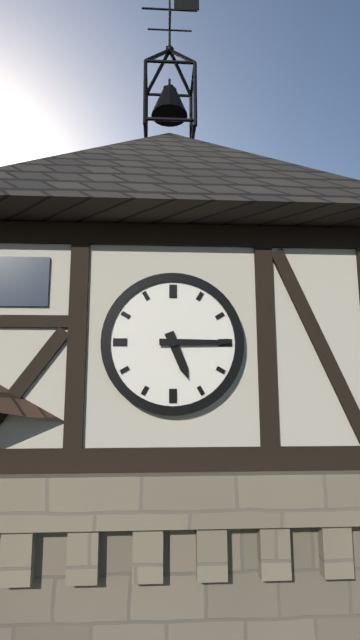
**5:15**
